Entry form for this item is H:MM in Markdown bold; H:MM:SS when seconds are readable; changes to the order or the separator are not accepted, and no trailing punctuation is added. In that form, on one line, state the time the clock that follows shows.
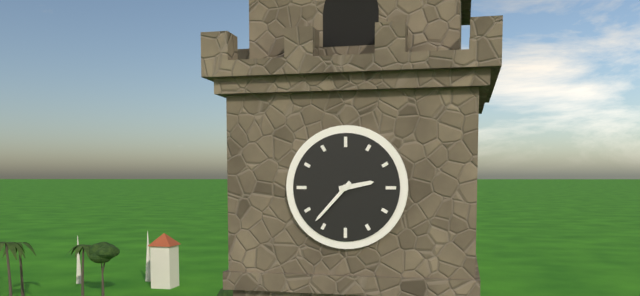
**2:37**
